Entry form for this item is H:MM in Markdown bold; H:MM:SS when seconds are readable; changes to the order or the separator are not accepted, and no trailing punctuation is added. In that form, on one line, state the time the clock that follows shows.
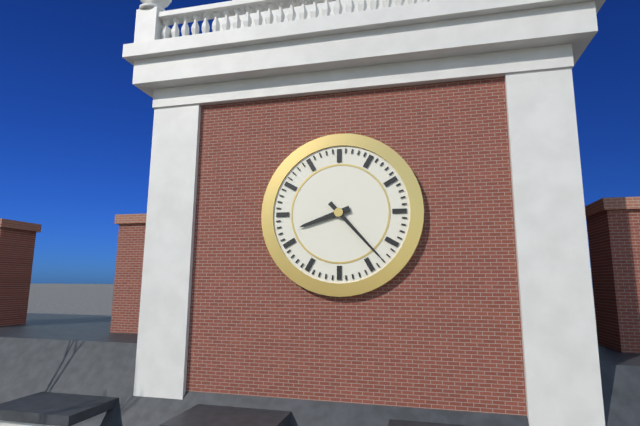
**8:23**
